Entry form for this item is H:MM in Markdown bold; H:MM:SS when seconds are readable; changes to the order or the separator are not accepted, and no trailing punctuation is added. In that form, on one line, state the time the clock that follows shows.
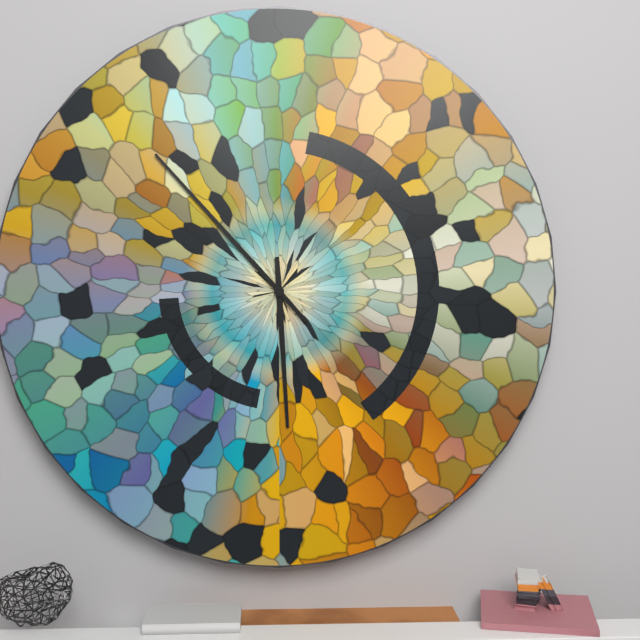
**5:53**
